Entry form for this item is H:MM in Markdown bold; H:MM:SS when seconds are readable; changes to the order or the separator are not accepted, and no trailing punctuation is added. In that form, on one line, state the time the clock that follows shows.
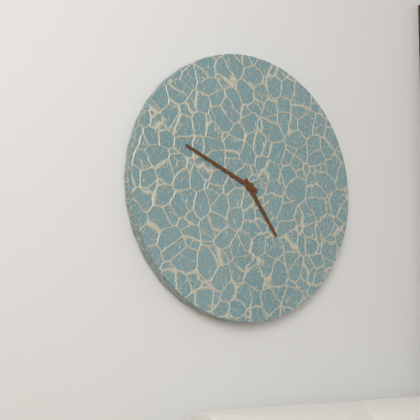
**4:49**
